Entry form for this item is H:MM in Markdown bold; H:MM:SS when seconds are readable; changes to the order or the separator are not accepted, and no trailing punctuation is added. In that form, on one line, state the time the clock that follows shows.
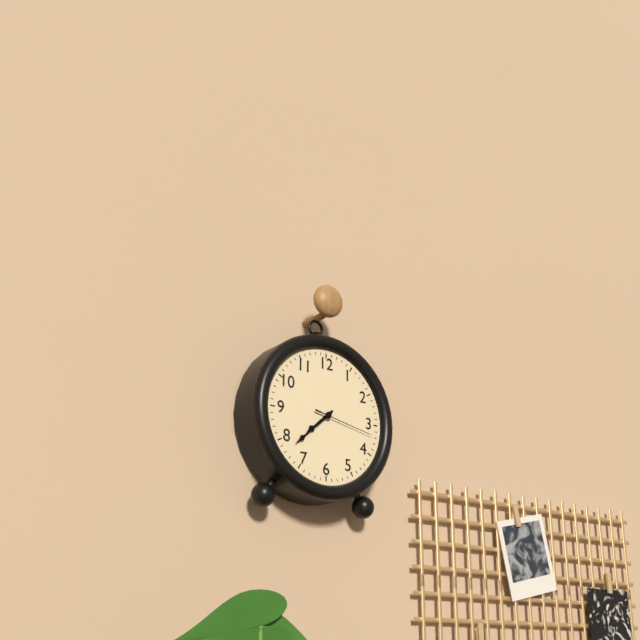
**7:38:17**
